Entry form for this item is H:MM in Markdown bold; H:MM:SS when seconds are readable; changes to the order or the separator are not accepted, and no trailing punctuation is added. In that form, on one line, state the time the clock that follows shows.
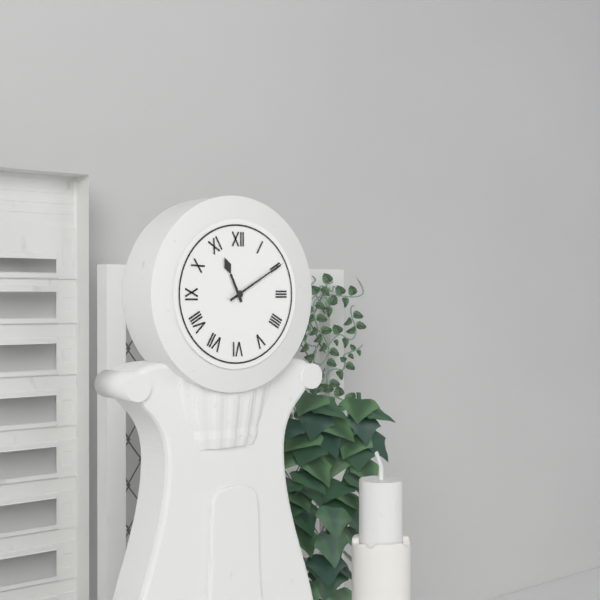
**11:10**
